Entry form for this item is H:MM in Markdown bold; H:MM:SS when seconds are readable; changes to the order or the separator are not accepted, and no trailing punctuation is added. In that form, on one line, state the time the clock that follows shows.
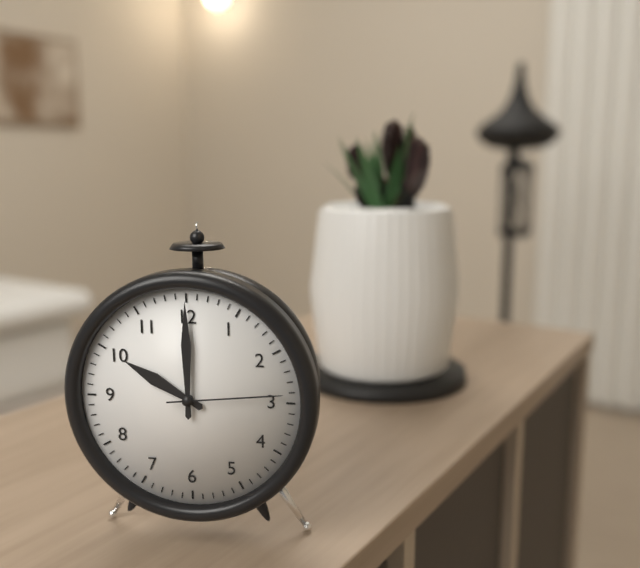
**10:00:14**
